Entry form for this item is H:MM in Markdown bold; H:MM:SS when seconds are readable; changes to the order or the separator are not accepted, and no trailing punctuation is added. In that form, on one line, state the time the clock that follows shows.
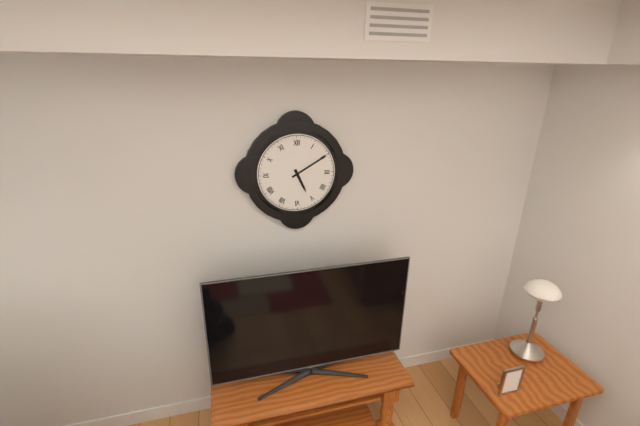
**5:10**
